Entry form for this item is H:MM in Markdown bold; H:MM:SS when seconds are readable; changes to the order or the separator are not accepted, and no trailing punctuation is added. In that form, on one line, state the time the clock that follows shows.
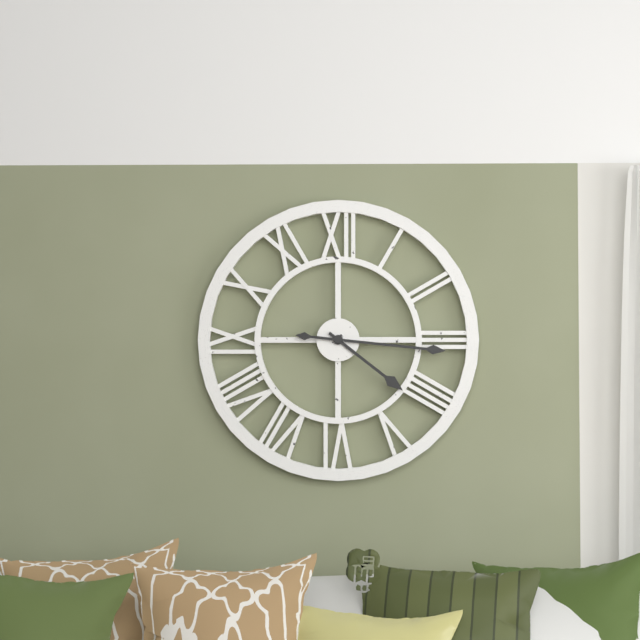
**4:16**
